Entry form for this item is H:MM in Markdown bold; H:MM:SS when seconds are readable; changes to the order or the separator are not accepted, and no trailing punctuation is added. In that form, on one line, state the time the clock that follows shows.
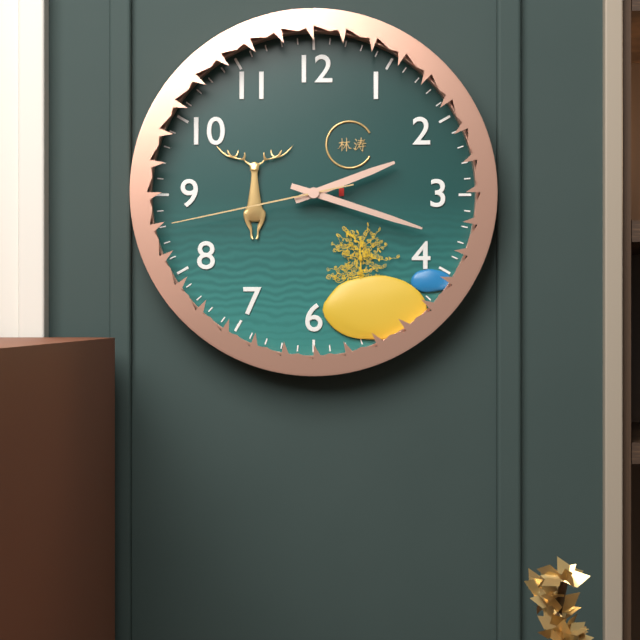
**2:18:43**
